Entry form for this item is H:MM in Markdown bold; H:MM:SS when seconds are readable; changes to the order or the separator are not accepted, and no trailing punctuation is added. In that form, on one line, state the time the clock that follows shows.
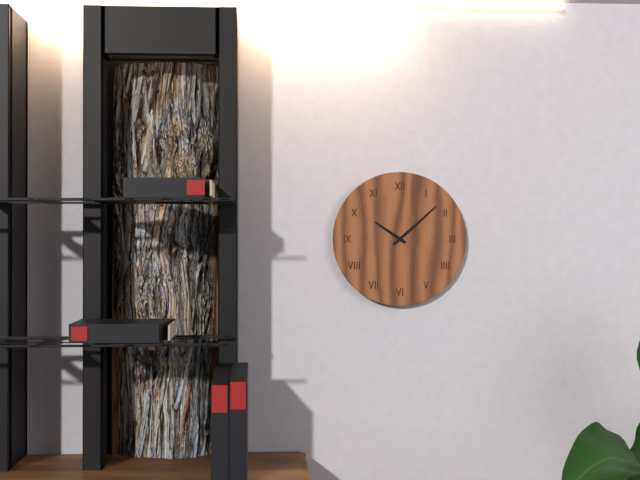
**10:08**
